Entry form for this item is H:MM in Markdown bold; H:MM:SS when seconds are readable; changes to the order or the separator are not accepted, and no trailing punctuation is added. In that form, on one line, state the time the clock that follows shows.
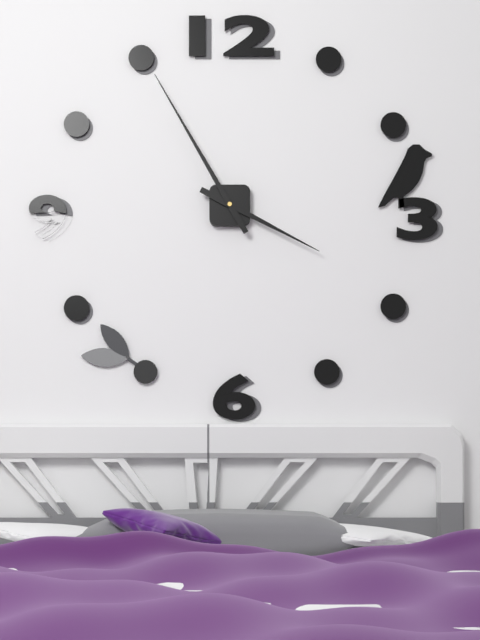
**3:55**
